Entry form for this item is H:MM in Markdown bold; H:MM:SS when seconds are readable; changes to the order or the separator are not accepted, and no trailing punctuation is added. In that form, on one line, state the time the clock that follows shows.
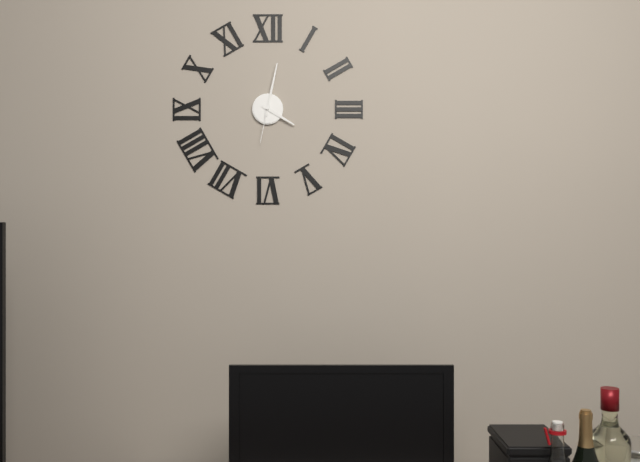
**4:02**
